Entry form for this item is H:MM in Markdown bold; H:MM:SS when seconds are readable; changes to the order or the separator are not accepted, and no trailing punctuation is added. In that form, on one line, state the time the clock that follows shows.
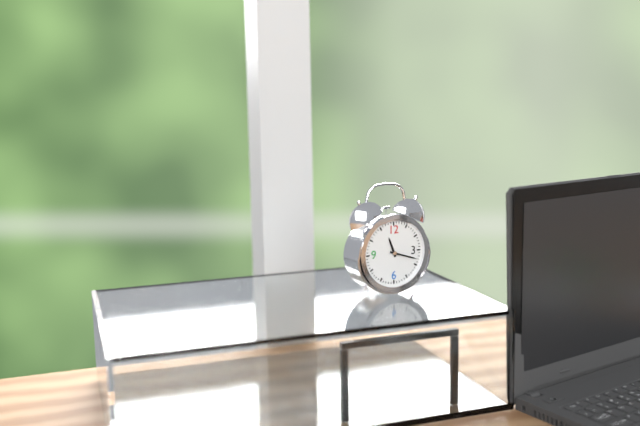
**11:18**
